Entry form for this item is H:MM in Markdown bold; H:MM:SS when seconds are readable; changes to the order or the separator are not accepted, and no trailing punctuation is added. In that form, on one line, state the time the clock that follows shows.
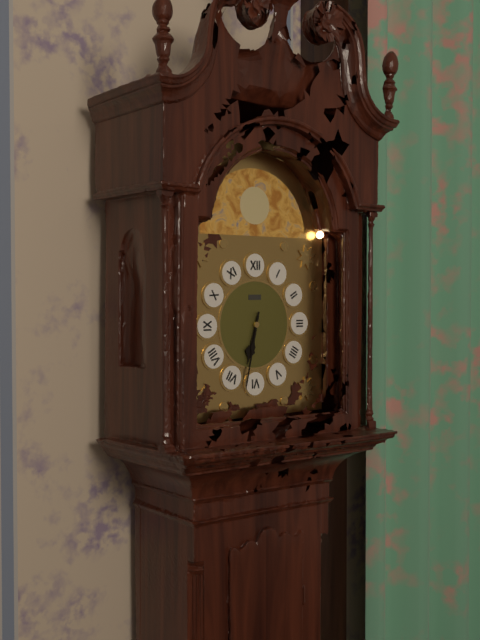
**6:32**
